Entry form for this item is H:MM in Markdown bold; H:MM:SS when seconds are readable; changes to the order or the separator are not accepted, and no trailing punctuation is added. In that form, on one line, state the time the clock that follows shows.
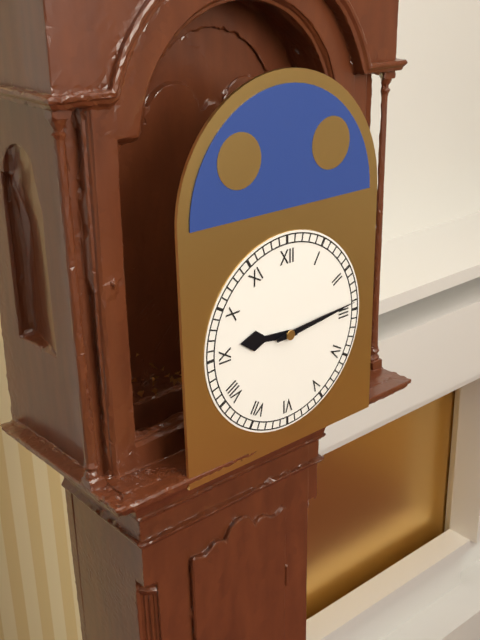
**9:14**
